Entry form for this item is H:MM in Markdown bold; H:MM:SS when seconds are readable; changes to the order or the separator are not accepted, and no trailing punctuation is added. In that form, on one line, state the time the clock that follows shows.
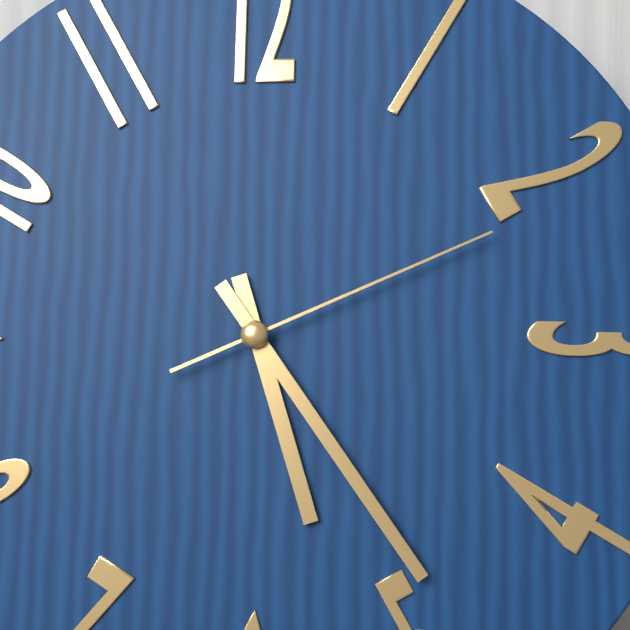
**5:24:11**
